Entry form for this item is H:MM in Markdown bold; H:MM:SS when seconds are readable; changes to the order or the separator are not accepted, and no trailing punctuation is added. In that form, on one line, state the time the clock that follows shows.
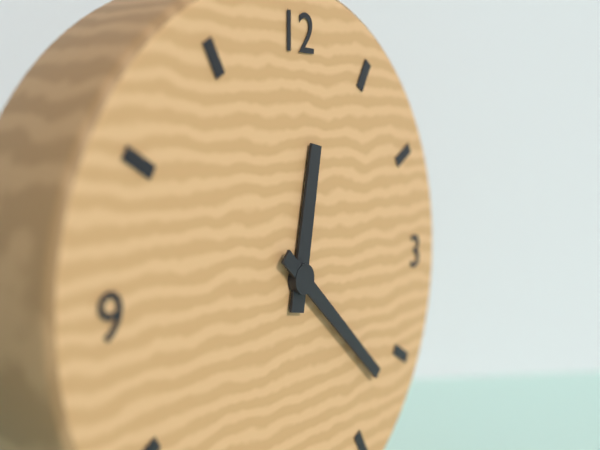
**12:22**
